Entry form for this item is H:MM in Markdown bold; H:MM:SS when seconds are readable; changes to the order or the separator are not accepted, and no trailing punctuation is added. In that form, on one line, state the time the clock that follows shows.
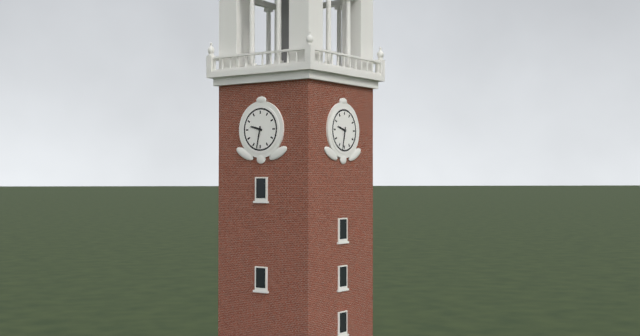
**9:32**
